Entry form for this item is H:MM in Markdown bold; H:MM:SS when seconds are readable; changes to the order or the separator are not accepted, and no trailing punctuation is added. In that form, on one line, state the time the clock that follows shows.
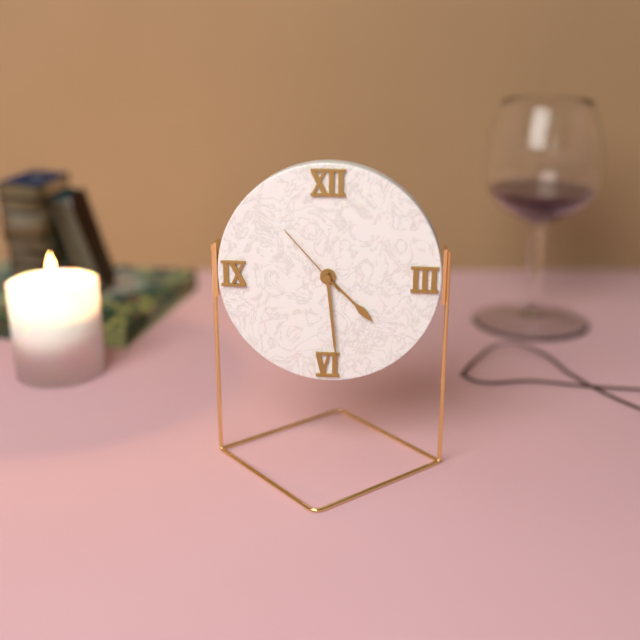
**4:29:53**
